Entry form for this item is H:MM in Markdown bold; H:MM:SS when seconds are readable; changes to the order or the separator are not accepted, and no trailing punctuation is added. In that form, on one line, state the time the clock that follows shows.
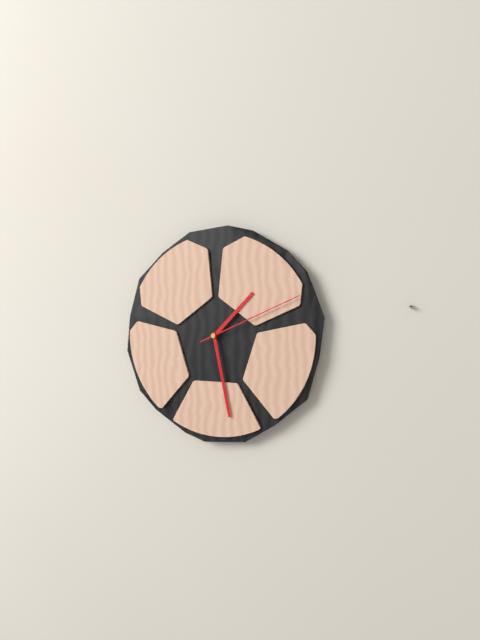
**1:28:11**
